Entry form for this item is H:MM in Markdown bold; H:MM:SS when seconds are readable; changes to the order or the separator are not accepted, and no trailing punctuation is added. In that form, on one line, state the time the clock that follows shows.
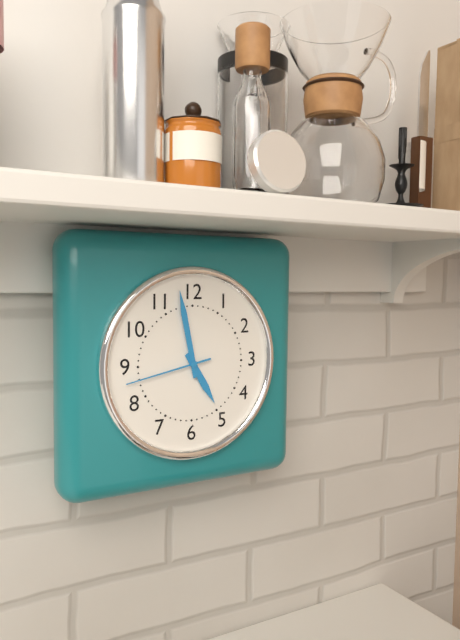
**4:58:43**
